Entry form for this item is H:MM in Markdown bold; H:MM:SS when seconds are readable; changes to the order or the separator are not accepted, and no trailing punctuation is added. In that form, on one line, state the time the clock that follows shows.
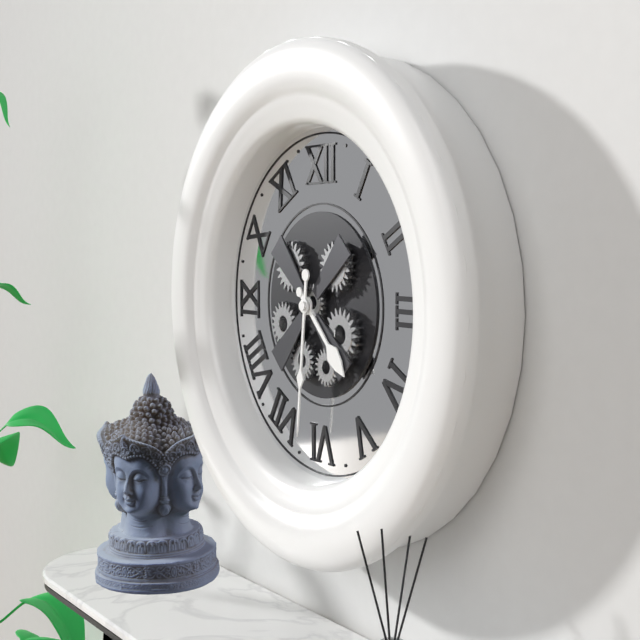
**4:31**
